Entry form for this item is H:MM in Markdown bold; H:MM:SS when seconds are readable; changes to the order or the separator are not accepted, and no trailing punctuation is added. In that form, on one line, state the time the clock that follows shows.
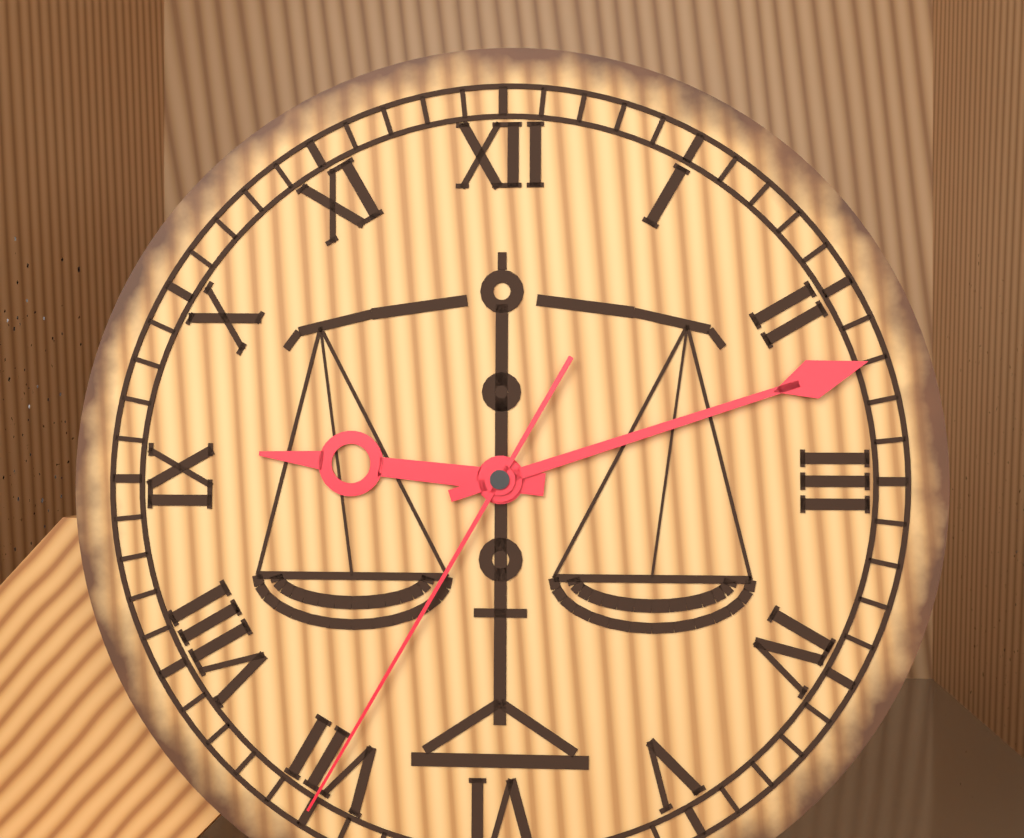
**9:12:35**
